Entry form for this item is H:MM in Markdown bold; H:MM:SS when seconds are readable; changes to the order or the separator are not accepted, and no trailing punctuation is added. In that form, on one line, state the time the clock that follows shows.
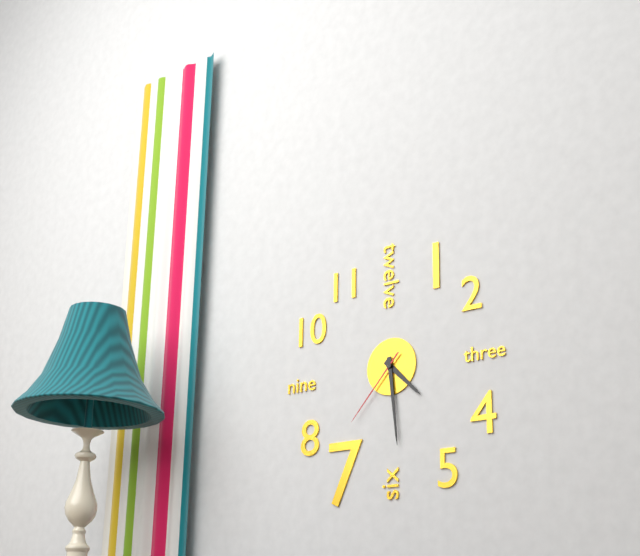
**4:29:37**
